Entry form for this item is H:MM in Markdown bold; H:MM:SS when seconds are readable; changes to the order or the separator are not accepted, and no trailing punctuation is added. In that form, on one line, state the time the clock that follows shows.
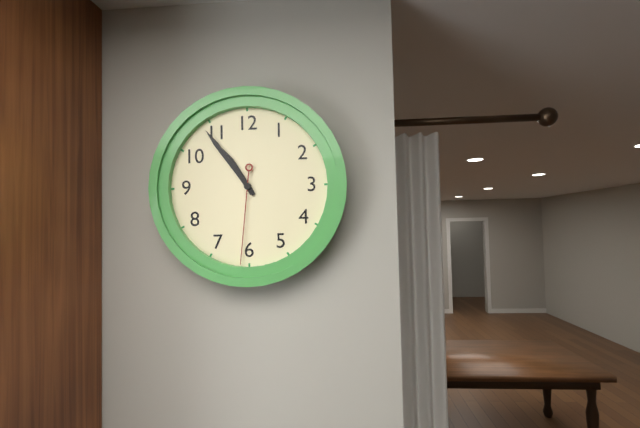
**10:54:31**
